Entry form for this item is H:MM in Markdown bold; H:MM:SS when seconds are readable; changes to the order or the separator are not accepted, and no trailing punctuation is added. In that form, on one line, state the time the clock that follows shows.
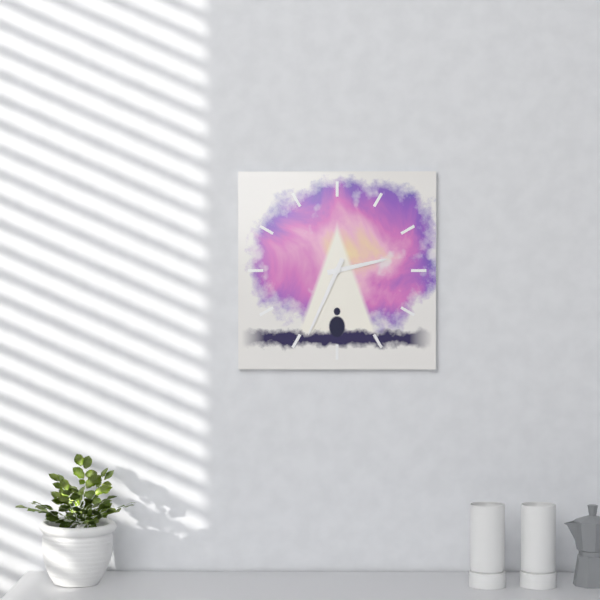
**2:34**
